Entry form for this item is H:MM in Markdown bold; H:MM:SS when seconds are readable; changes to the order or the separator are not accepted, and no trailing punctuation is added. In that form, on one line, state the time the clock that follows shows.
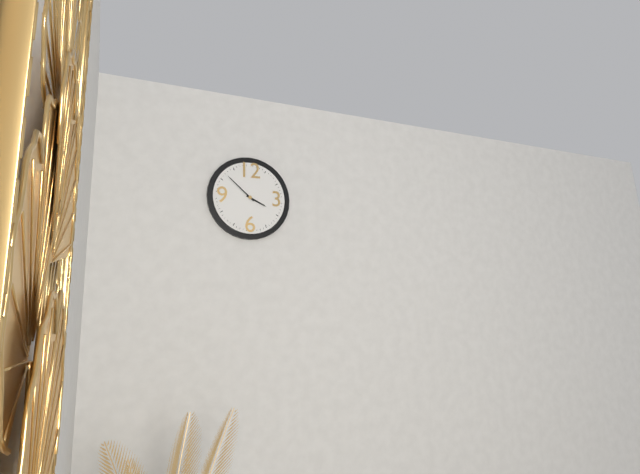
**3:52**
